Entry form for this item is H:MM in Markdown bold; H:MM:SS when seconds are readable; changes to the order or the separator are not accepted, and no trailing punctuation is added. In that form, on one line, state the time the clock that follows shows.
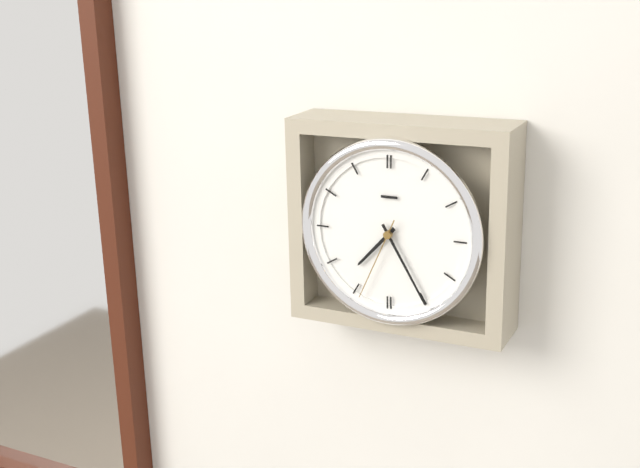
**7:25:34**
